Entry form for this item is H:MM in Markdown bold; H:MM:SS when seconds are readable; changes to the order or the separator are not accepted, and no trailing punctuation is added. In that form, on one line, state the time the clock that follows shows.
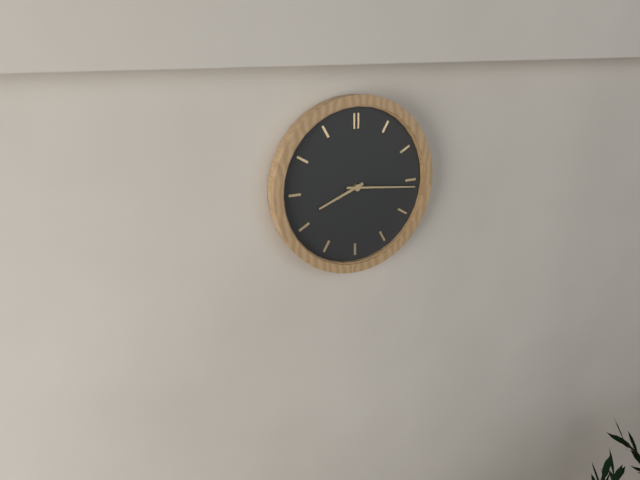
**8:16**
